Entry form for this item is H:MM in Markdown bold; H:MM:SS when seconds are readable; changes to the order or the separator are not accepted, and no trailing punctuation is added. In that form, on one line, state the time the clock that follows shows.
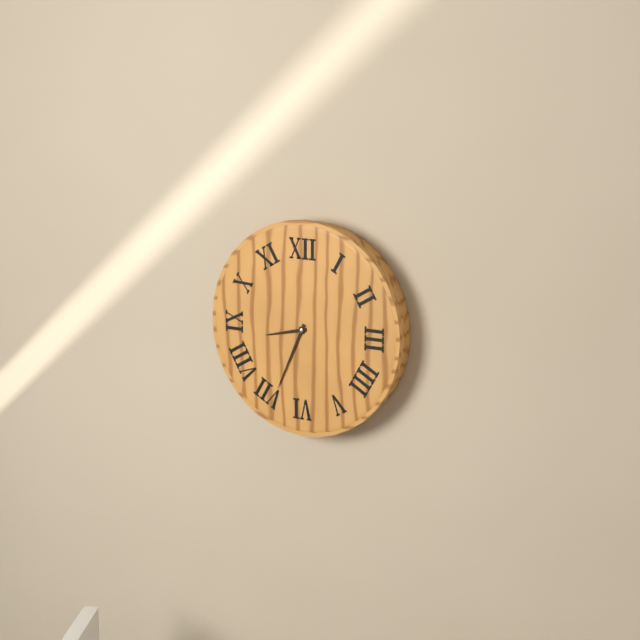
**8:34**
